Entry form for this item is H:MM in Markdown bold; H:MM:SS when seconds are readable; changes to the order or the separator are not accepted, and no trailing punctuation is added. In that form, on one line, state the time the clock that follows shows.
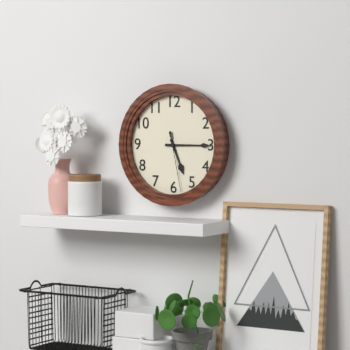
**5:15:28**
